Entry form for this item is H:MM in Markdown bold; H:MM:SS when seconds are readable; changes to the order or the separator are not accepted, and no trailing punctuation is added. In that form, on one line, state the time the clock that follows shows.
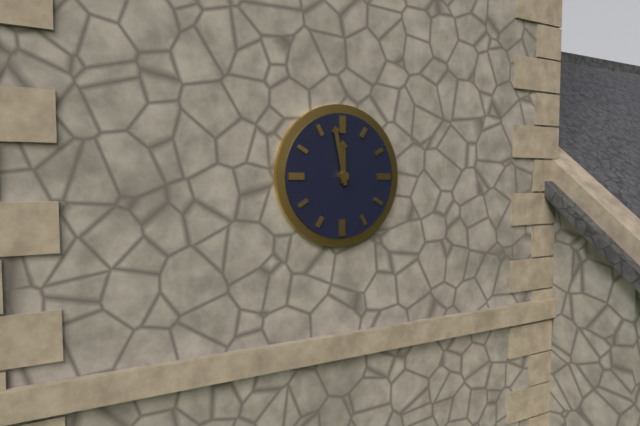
**11:58**
